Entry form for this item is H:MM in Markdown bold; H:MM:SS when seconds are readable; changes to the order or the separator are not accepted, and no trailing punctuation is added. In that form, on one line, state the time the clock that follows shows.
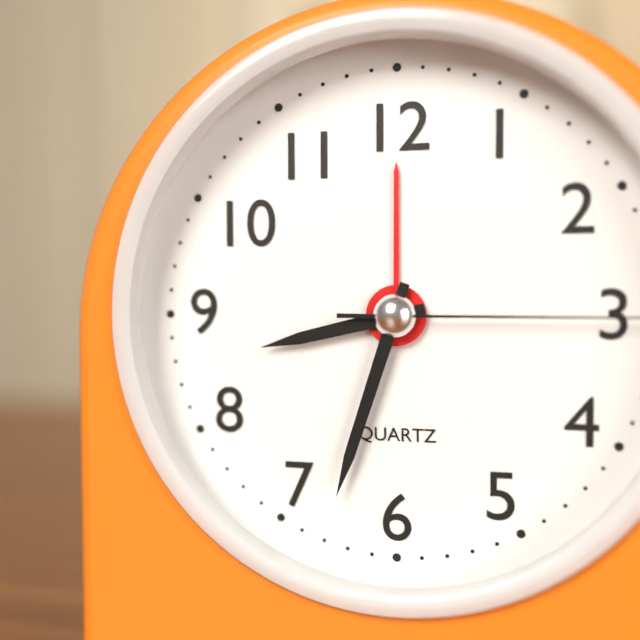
**8:33**
